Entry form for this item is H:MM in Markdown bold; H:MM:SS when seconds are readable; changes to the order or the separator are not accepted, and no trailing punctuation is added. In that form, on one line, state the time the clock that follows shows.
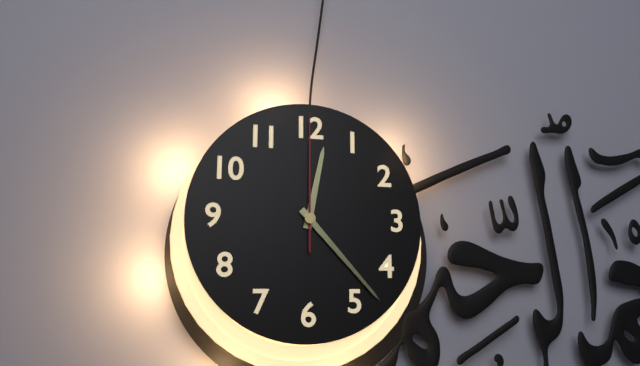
**12:23:00**
